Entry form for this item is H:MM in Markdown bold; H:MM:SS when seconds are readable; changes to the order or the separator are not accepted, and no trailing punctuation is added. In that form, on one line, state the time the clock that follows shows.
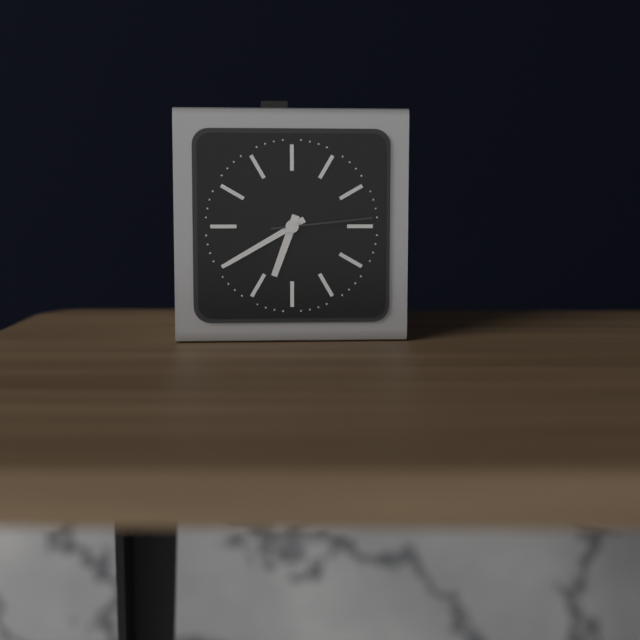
**6:40:14**
